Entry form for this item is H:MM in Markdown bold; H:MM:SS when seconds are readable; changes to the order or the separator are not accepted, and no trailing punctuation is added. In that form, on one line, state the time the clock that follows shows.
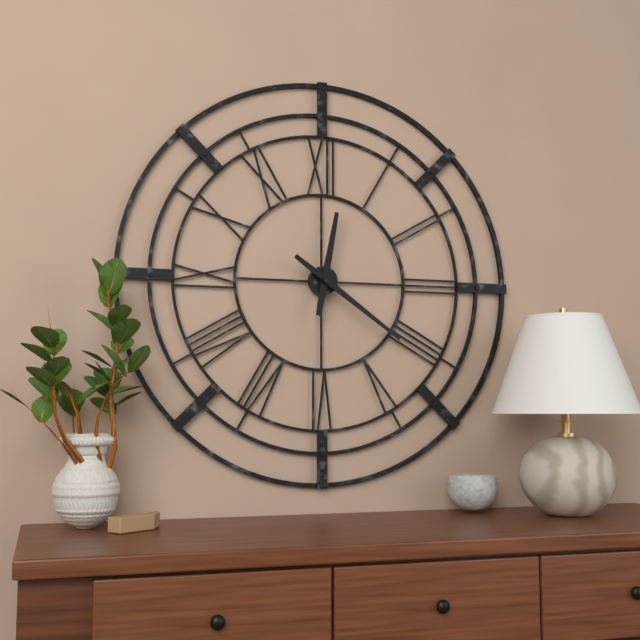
**12:21**
